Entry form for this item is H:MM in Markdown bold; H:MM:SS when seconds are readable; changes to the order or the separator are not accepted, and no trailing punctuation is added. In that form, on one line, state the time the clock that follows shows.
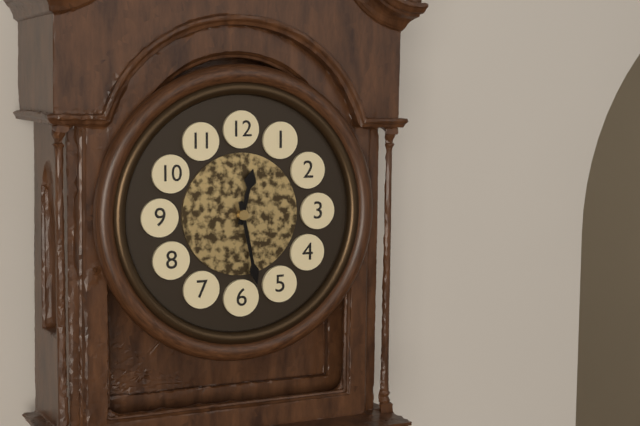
**12:28**
